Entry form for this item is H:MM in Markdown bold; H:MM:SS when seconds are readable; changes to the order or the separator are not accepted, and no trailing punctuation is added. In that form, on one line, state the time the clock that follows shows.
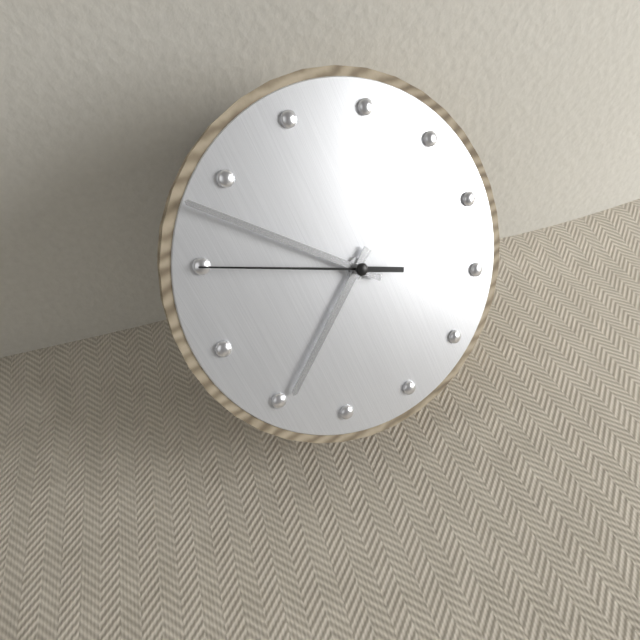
**7:53:50**
